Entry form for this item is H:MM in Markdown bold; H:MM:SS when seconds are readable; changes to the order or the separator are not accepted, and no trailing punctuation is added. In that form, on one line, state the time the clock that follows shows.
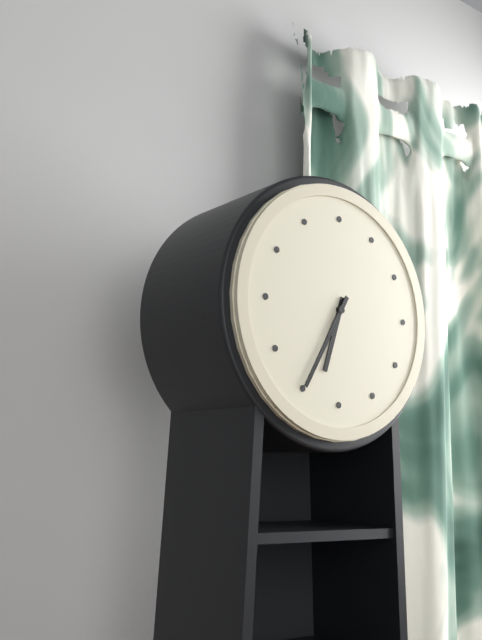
**6:35**
